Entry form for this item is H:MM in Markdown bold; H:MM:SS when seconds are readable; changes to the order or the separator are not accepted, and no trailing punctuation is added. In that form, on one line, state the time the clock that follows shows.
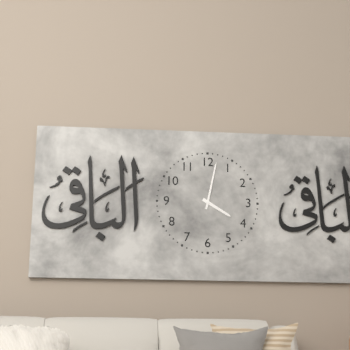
**4:02**
